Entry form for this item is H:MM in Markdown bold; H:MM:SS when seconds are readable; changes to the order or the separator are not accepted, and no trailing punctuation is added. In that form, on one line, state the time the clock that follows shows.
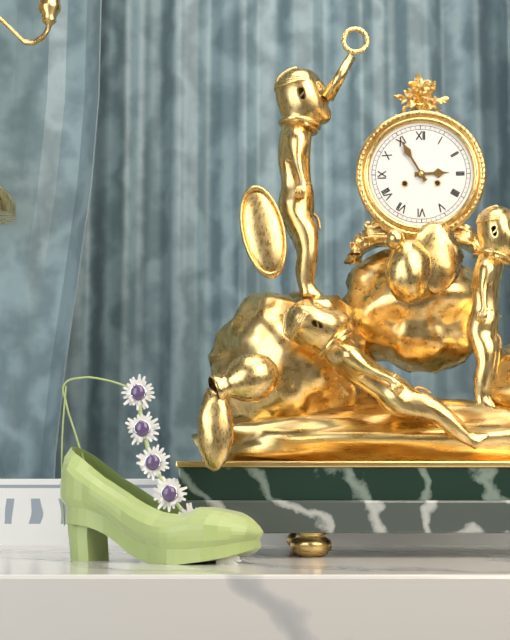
**2:55**
